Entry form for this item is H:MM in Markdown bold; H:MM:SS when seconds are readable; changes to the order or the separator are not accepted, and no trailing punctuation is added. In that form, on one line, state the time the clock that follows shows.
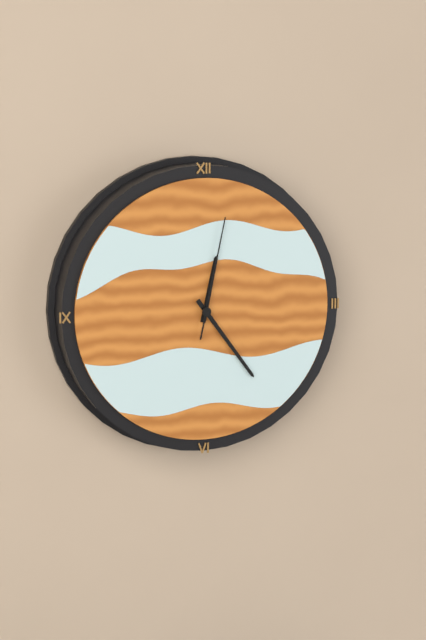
**12:24:02**
